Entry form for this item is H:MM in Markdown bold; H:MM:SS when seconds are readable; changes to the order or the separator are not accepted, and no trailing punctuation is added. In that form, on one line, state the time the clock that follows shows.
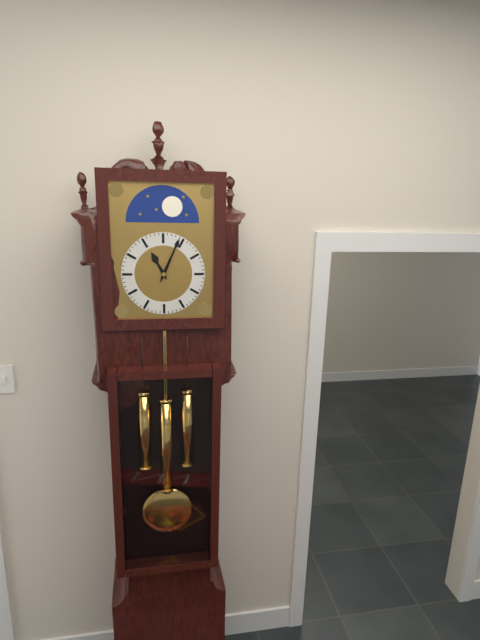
**11:04**
